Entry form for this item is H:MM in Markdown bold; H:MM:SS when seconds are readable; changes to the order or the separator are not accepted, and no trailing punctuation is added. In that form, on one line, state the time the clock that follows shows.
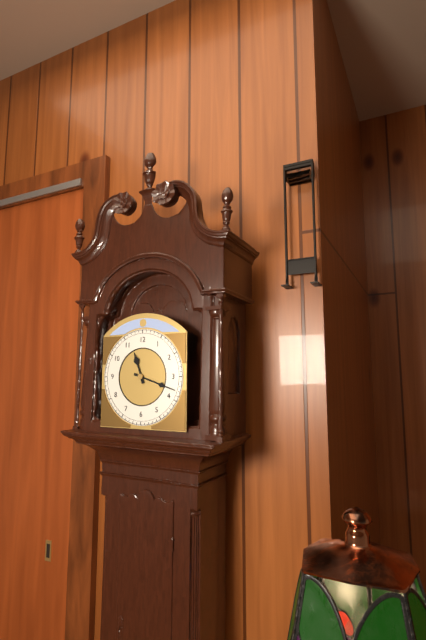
**11:18**
